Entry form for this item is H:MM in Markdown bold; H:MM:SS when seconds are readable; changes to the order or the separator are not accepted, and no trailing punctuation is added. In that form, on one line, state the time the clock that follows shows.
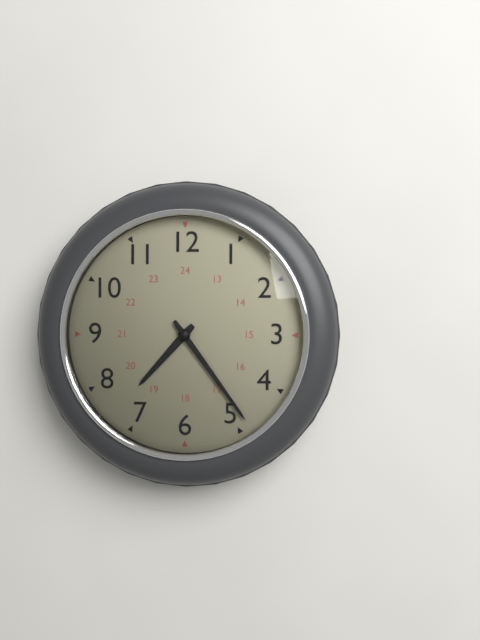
**7:24**
